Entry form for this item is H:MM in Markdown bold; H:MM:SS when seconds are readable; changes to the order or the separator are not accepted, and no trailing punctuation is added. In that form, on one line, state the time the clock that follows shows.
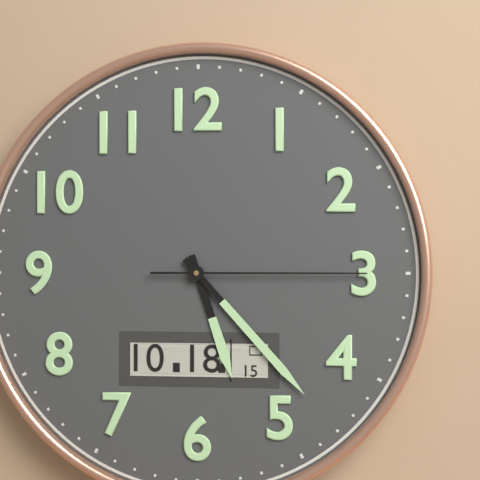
**5:23:15**
